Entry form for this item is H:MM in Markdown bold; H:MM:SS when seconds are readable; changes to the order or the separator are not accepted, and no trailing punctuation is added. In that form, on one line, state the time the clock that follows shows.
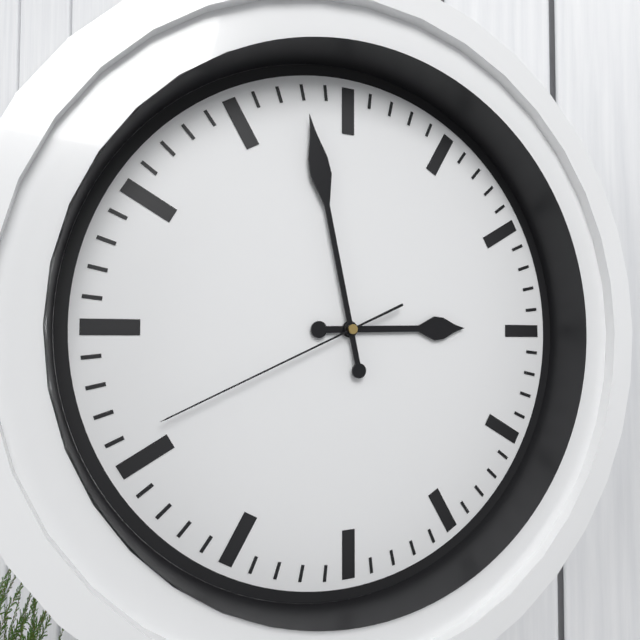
**2:58:41**
